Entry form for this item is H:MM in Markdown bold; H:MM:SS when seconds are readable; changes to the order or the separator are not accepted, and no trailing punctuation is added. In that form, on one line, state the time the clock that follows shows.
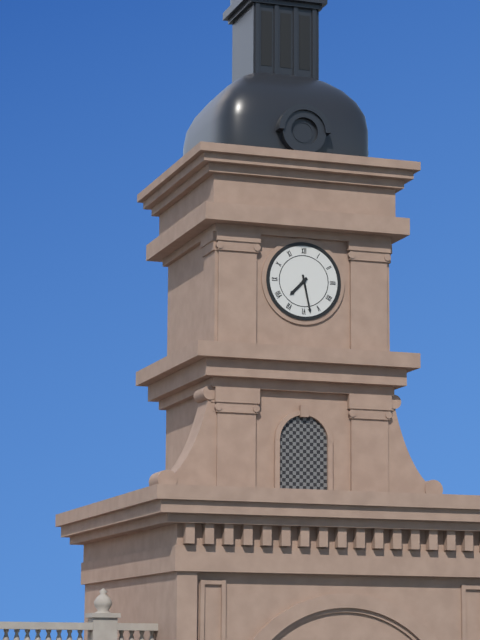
**7:28**
